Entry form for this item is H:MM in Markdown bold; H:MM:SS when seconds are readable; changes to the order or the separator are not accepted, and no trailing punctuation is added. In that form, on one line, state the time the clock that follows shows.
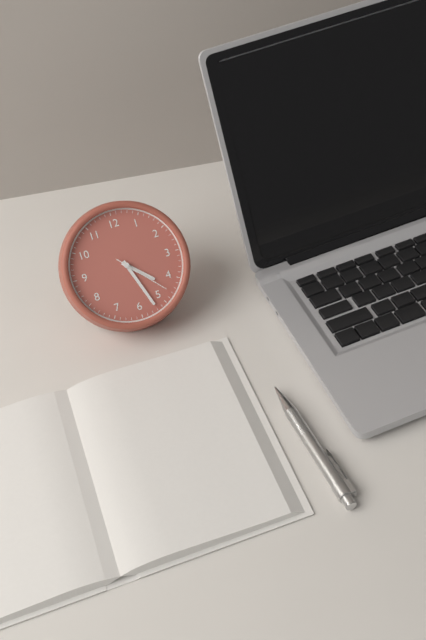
**4:27:23**
